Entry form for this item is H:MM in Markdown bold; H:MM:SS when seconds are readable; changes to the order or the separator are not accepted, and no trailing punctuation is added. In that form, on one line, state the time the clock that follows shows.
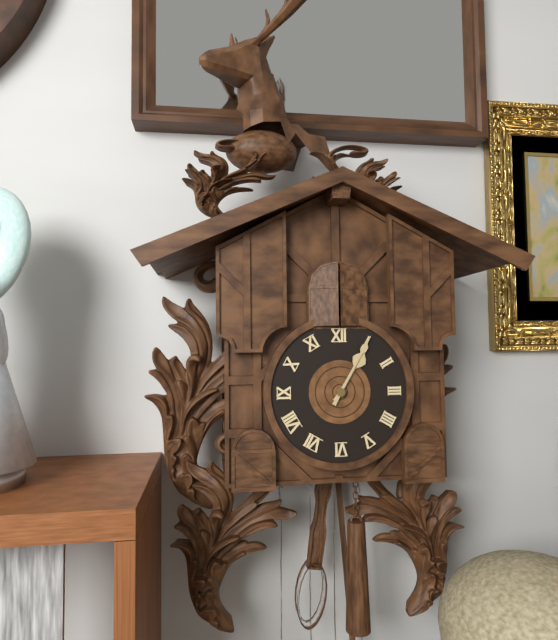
**1:05**
